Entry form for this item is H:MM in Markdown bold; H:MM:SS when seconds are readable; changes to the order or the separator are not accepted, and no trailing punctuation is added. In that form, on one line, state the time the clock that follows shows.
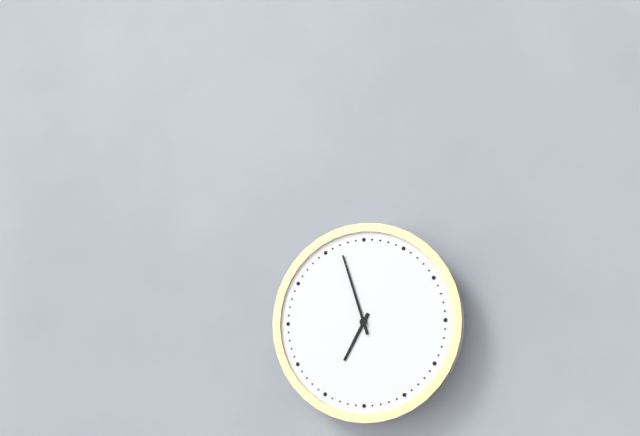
**6:57**
